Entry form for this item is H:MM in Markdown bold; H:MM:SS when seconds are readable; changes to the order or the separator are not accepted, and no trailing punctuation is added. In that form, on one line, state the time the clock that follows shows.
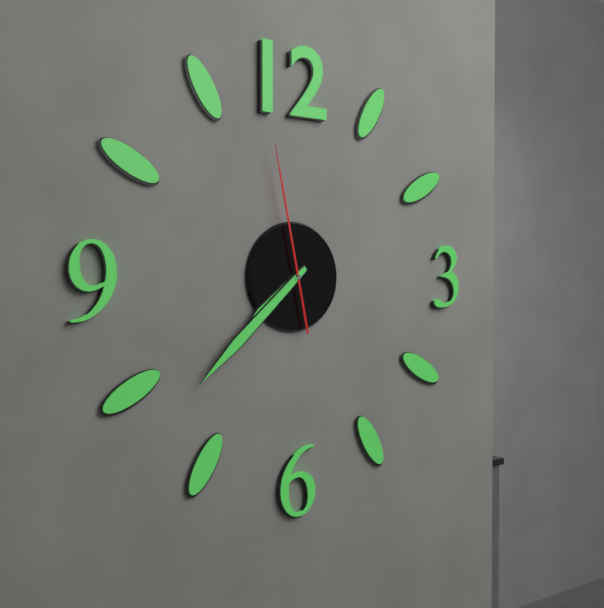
**7:38:58**
